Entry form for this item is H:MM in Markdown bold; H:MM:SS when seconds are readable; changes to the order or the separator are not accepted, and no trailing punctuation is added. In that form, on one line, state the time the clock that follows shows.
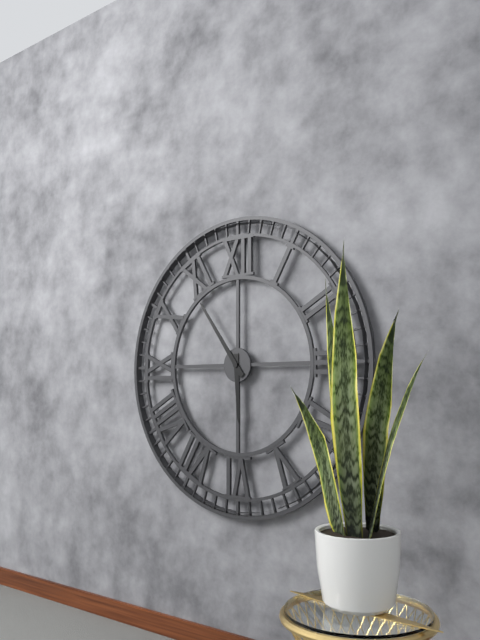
**5:54**
